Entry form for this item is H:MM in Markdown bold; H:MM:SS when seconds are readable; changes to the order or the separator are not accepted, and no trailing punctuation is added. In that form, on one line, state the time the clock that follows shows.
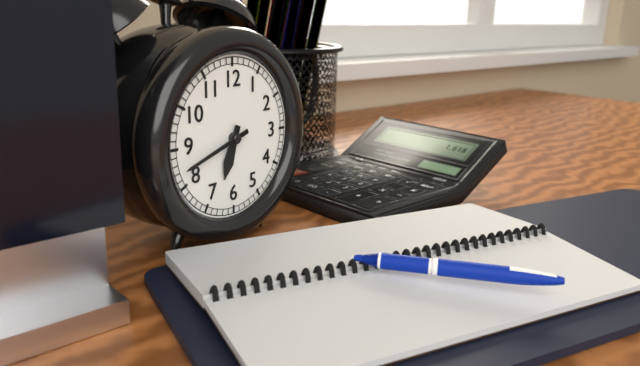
**6:42**
